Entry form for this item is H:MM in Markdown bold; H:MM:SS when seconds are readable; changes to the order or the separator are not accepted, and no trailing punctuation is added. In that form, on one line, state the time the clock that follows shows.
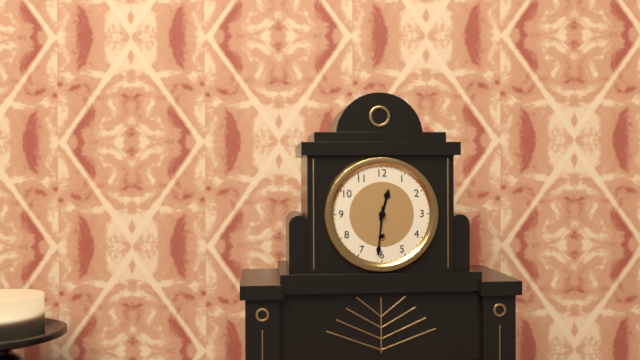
**12:31**
